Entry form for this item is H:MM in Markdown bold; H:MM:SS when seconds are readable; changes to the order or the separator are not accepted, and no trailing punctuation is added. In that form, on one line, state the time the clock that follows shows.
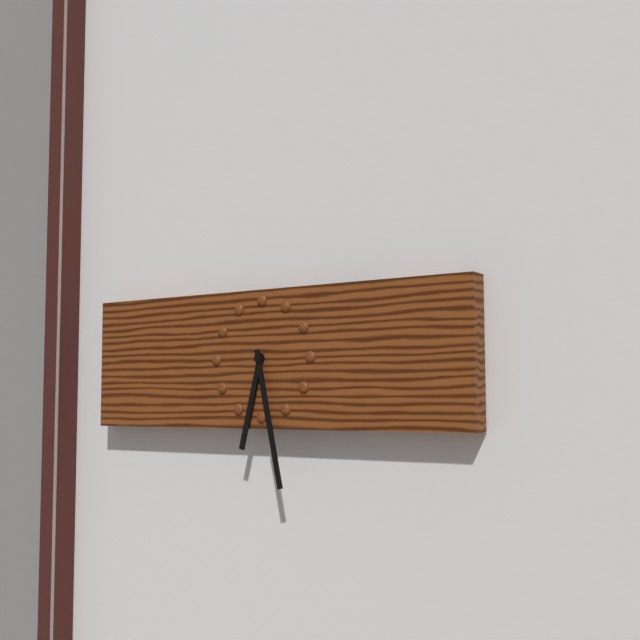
**6:28**
